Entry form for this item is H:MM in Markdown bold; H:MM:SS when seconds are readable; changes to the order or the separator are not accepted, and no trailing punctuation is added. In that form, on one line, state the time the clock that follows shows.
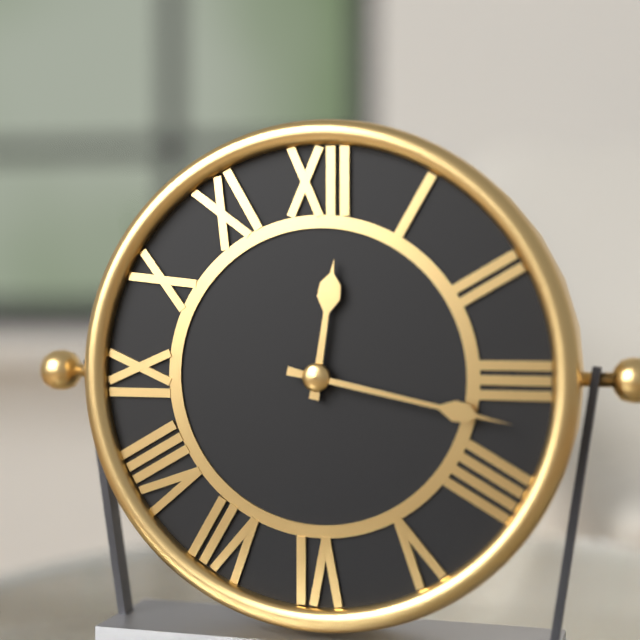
**12:17**
